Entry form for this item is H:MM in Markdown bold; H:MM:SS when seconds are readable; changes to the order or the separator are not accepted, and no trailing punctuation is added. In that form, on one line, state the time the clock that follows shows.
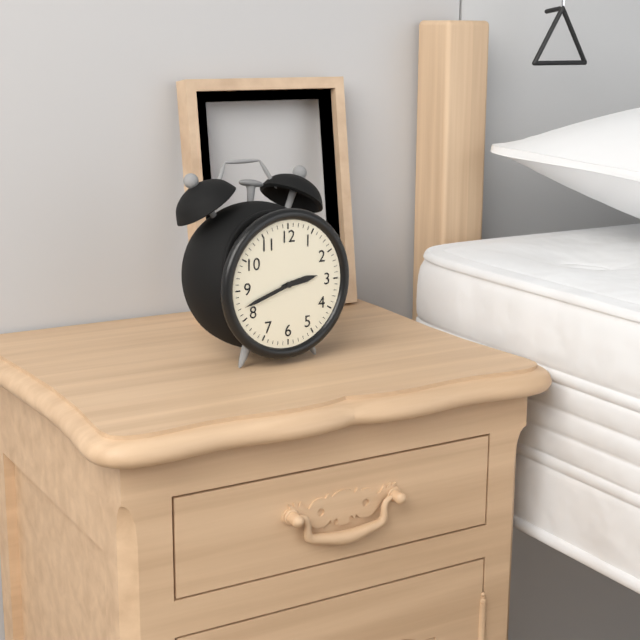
**2:42**
